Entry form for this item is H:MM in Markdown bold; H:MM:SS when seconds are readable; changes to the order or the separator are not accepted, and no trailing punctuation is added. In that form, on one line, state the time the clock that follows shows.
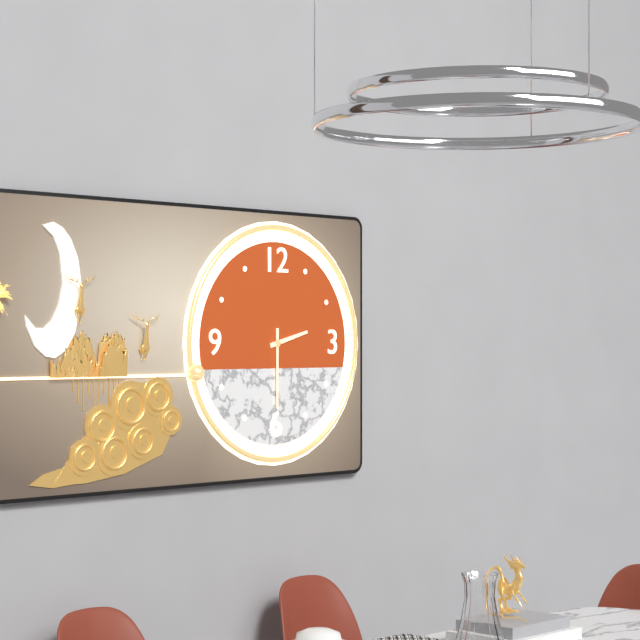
**2:30**
